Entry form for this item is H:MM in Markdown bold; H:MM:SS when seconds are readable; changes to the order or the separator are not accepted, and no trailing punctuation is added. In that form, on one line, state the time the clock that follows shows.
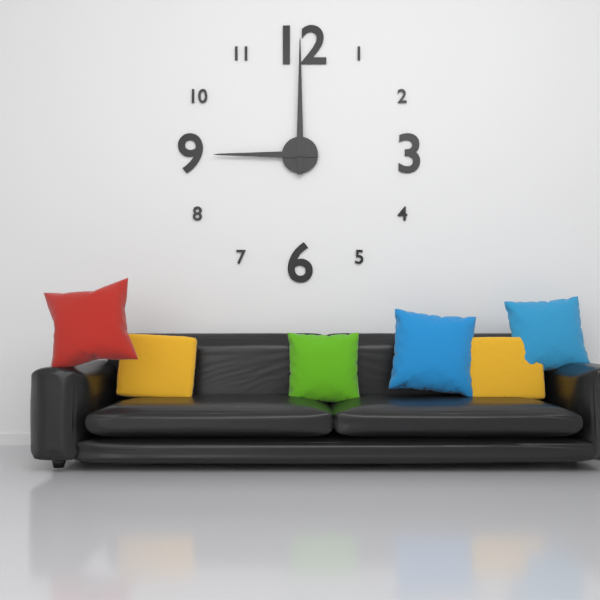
**9:00**
